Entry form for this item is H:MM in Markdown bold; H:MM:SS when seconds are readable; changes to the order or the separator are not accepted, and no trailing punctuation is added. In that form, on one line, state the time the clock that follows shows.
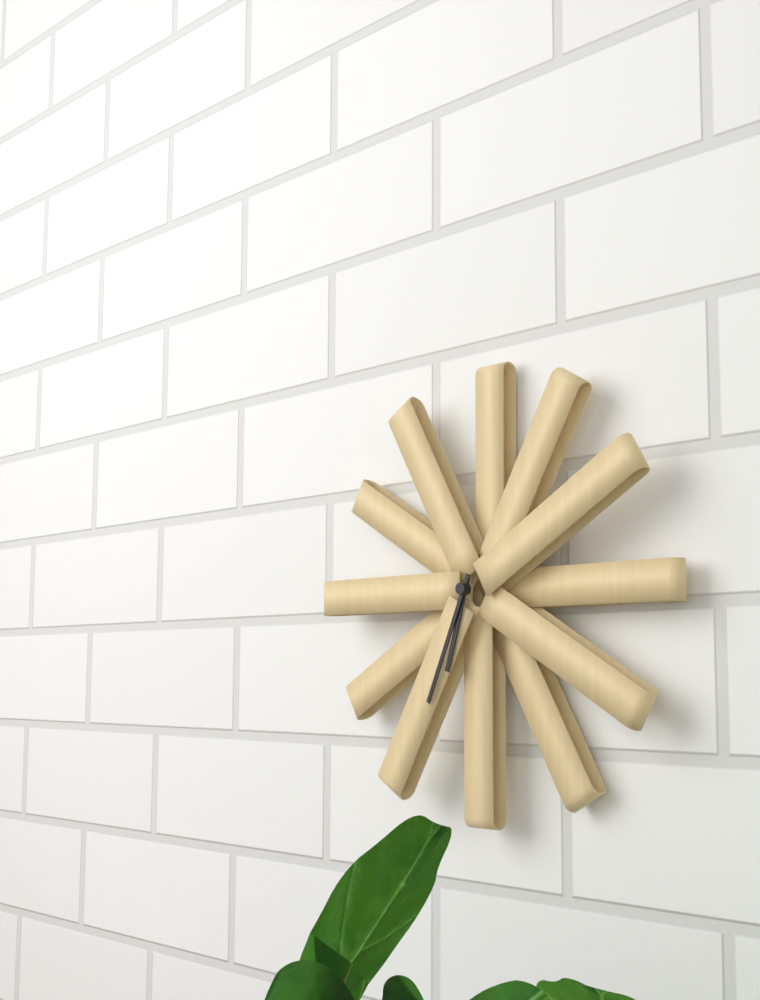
**6:34**
